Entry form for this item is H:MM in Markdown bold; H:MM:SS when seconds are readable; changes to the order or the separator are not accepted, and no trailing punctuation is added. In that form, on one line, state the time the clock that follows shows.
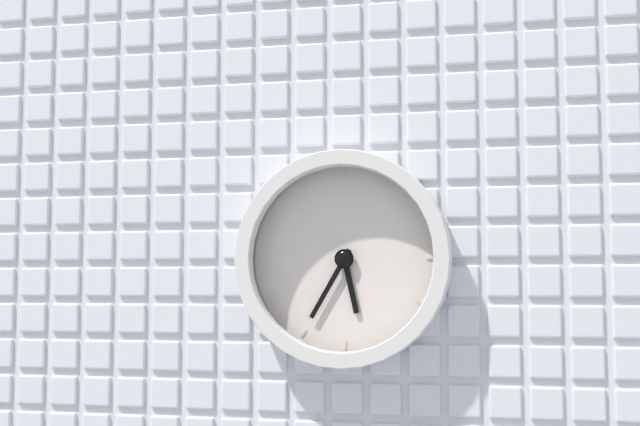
**5:35**
